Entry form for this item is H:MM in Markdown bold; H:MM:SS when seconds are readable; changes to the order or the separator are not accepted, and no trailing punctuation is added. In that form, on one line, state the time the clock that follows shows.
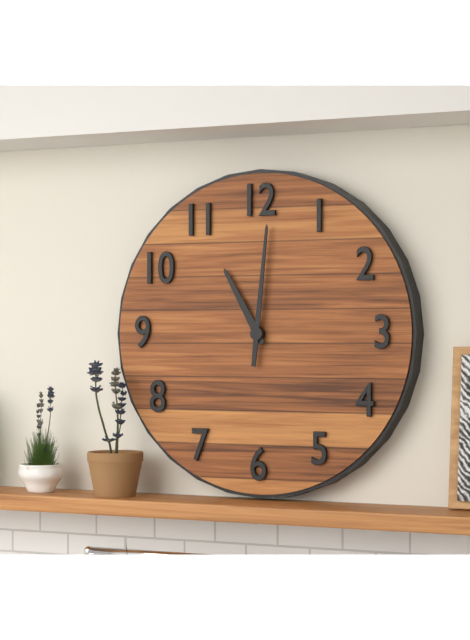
**11:01**
